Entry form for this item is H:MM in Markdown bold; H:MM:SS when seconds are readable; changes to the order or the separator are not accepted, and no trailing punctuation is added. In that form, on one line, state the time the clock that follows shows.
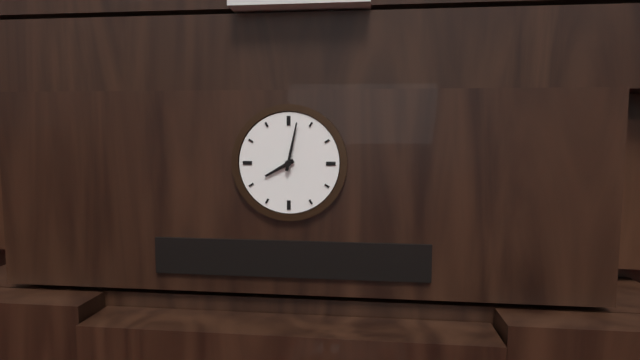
**8:02**
